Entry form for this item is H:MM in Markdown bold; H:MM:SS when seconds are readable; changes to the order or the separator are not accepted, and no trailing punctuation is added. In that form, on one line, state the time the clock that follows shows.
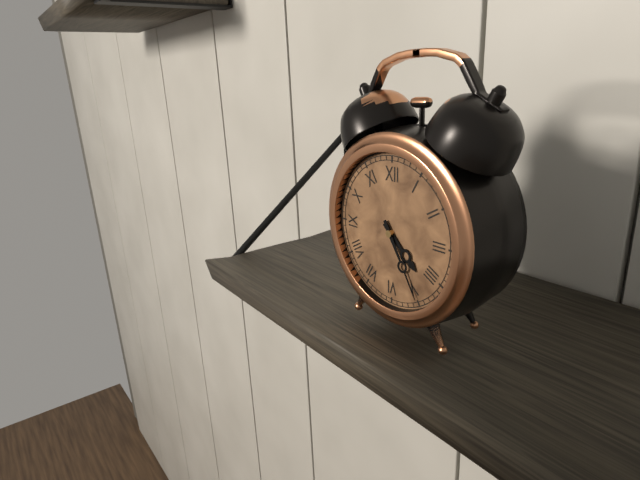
**4:25**
